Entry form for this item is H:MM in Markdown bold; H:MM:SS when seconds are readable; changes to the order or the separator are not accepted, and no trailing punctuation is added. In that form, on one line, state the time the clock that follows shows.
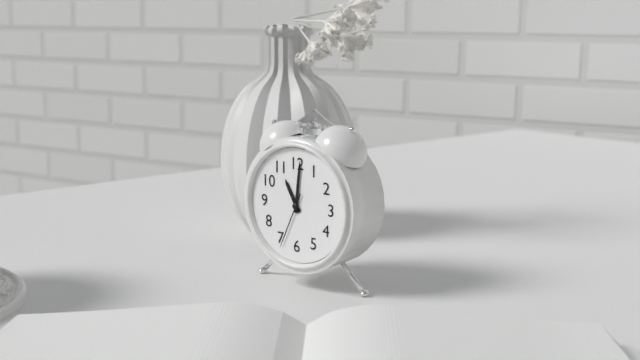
**11:01:34**
